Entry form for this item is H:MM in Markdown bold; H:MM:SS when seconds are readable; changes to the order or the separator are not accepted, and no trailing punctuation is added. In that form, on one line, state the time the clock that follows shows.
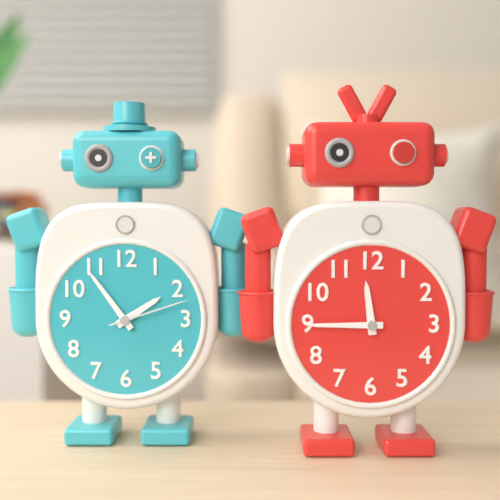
**1:54:12**
